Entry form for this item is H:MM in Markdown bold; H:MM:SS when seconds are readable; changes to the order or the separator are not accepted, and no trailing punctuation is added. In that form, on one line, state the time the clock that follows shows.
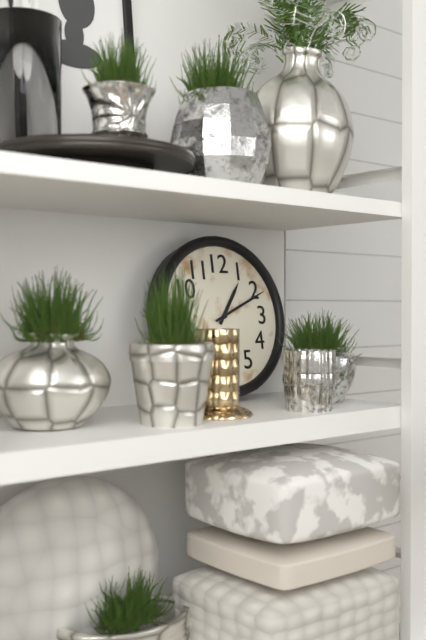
**1:11**
